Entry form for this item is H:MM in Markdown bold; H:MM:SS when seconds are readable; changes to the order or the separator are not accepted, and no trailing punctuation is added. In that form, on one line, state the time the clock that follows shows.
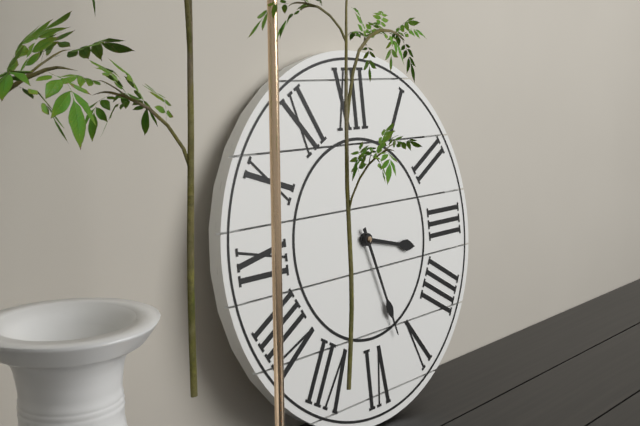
**3:27**
